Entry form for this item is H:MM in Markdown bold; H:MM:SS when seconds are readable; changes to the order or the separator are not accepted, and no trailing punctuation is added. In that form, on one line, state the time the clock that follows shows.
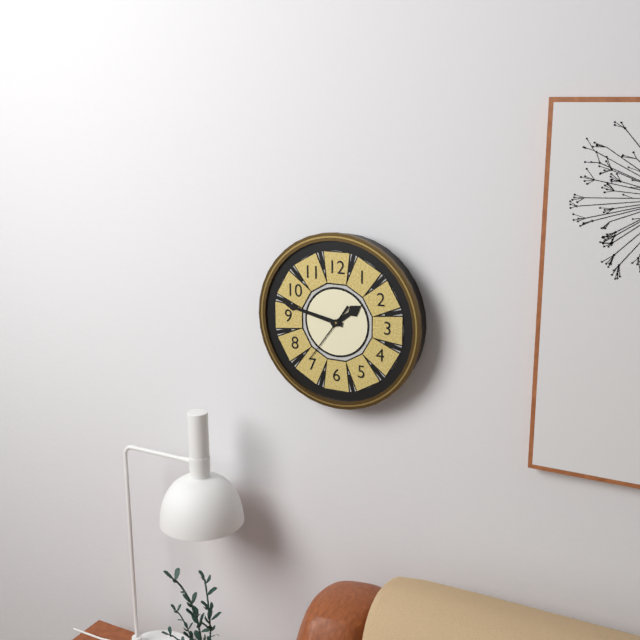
**1:47:36**
